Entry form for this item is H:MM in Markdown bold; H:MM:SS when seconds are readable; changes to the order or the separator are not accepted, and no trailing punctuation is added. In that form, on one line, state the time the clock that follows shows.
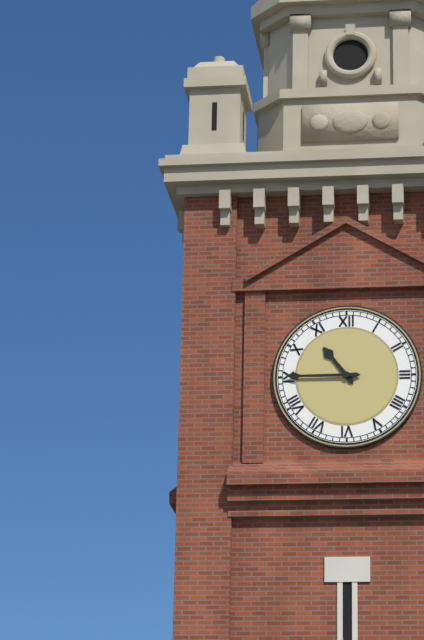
**10:45**
